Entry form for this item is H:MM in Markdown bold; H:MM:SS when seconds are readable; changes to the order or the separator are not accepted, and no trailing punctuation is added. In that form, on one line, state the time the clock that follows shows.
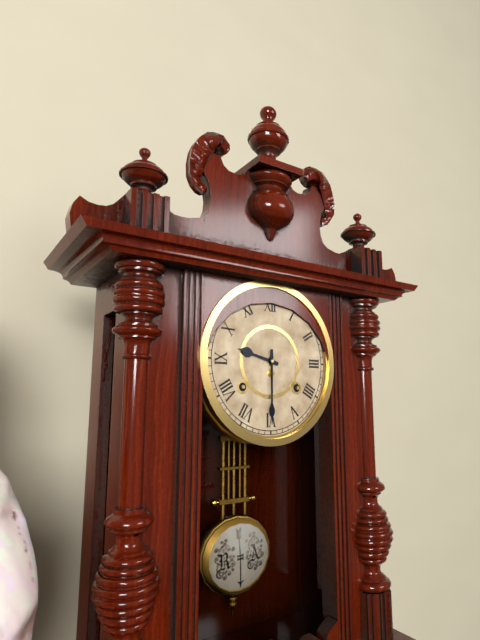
**9:30**
